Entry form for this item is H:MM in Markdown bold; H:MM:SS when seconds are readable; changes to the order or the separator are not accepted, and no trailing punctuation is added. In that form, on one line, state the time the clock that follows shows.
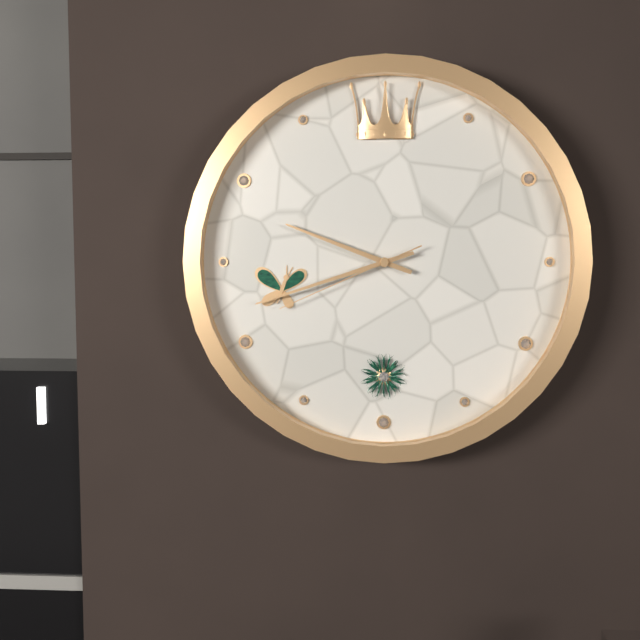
**9:42:41**
